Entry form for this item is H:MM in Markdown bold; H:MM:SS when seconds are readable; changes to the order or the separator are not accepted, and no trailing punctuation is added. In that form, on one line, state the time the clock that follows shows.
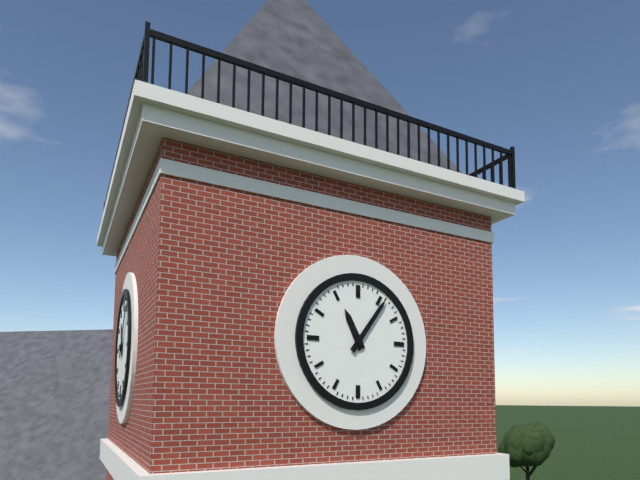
**11:06**
